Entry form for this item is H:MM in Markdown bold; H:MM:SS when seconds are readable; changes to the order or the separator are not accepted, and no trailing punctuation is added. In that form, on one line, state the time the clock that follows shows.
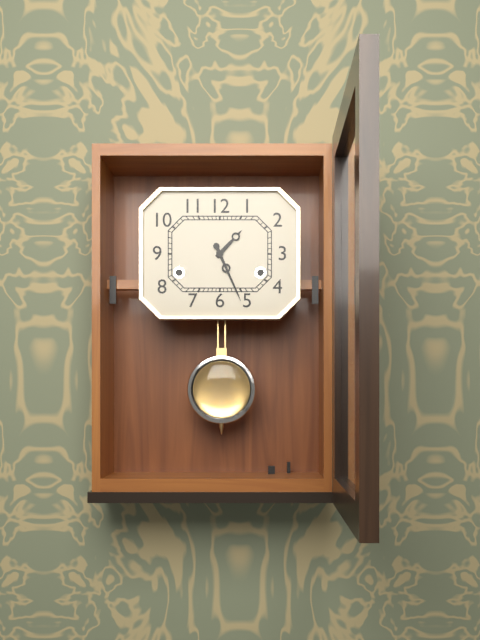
**1:26**
